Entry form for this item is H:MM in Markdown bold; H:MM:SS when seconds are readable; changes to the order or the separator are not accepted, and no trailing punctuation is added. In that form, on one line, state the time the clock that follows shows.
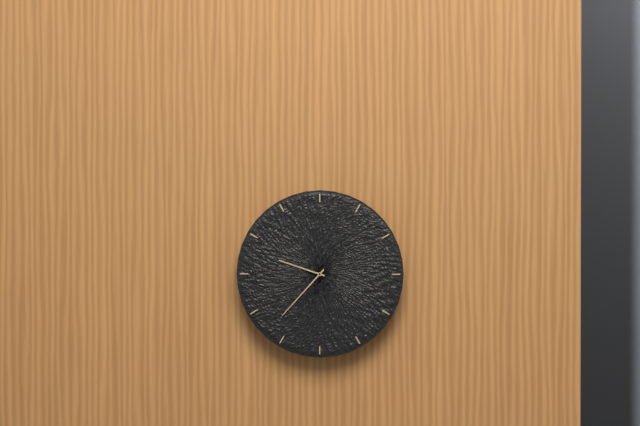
**9:37**
